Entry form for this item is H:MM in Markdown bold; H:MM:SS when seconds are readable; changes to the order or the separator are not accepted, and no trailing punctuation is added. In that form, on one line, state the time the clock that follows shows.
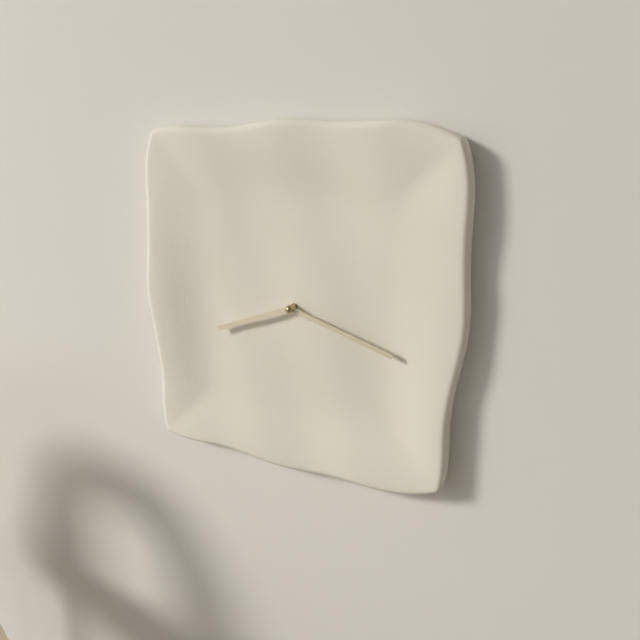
**8:18**
